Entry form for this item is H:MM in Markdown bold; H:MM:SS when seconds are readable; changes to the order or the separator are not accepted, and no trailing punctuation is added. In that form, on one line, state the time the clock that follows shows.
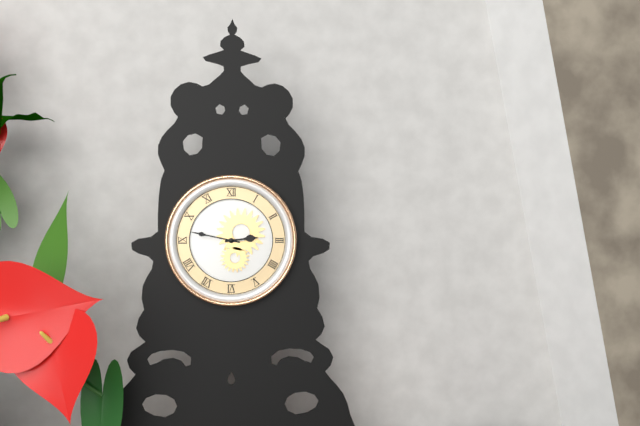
**2:47**
